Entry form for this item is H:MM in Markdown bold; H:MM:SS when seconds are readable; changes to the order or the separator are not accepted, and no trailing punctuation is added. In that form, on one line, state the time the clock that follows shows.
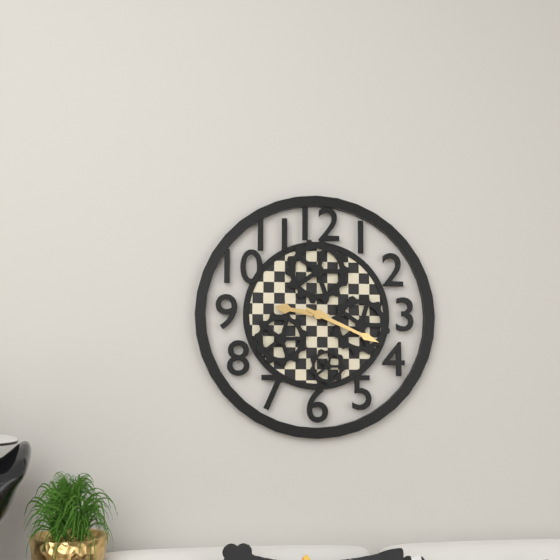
**9:19**
